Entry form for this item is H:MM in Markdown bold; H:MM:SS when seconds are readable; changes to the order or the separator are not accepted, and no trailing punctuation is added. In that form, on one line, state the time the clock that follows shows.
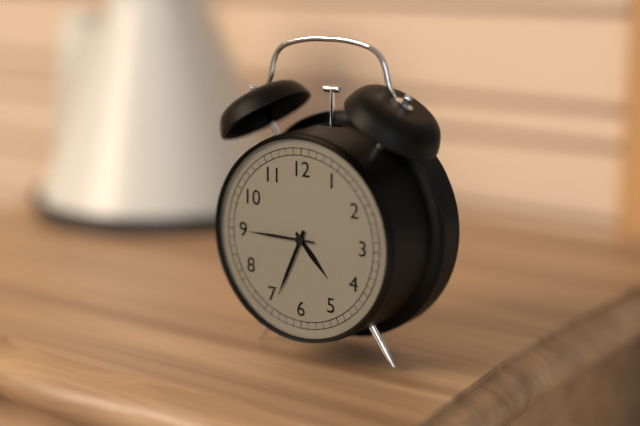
**4:34:45**
